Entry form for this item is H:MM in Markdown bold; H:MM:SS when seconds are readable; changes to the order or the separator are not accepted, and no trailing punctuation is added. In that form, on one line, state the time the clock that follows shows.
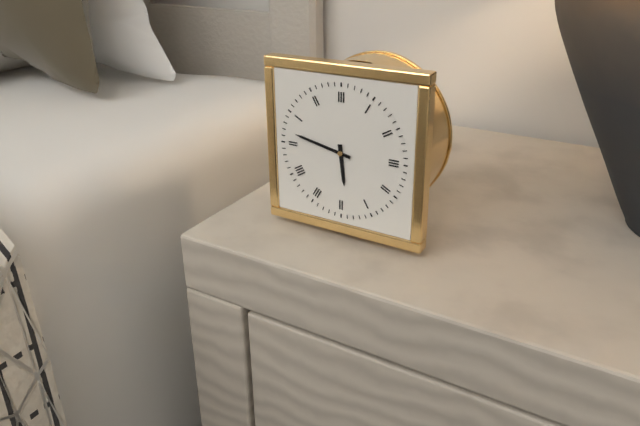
**5:47**
